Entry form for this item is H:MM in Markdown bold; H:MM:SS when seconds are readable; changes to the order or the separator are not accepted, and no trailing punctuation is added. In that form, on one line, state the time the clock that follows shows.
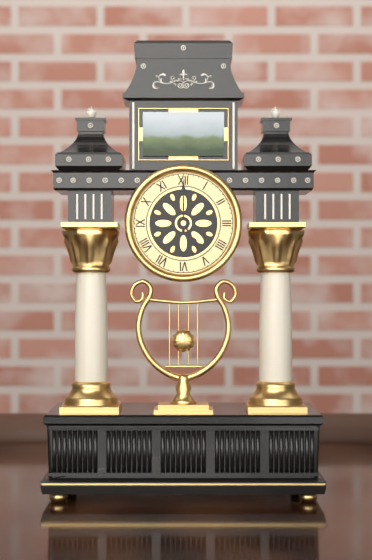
**5:00**
